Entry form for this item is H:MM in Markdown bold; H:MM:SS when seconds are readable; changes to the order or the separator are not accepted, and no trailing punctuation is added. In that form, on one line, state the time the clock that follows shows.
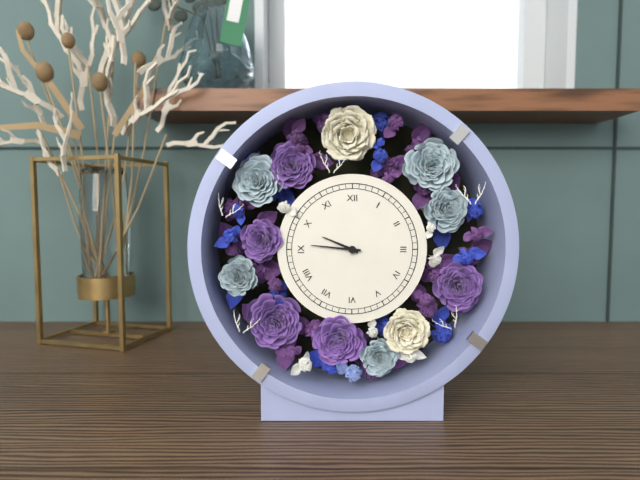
**9:46**
